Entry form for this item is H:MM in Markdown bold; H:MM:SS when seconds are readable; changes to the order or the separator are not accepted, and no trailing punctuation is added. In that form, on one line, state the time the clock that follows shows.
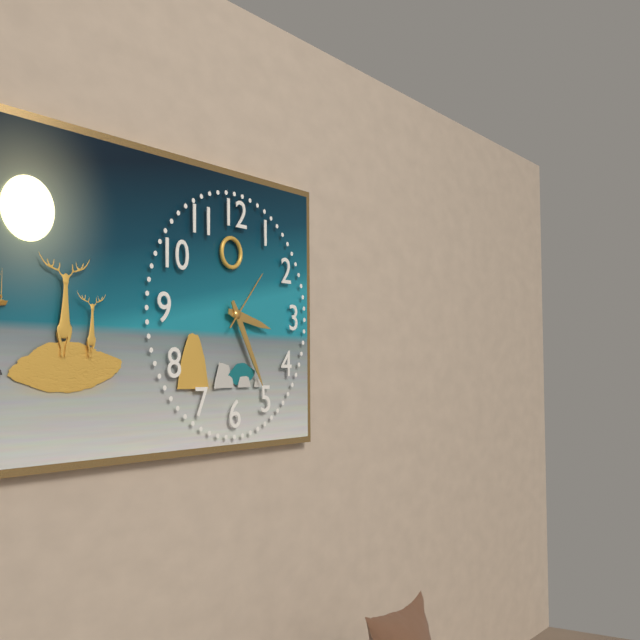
**3:25:07**
